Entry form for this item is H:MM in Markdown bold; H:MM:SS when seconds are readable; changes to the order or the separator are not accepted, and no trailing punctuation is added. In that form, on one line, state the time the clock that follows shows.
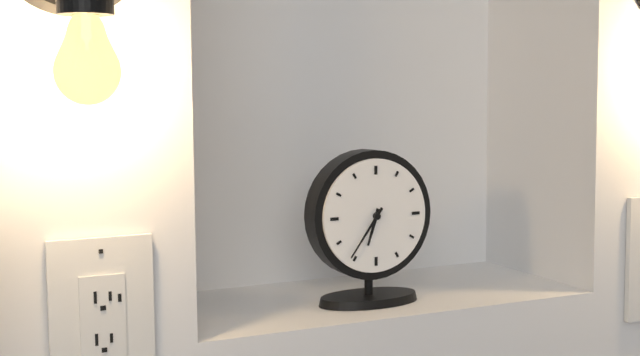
**6:36**
